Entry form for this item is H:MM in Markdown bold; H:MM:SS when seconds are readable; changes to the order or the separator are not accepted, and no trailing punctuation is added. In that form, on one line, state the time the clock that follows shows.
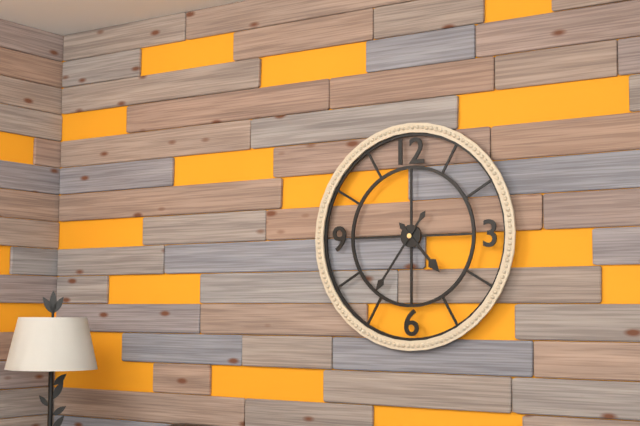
**4:36**
